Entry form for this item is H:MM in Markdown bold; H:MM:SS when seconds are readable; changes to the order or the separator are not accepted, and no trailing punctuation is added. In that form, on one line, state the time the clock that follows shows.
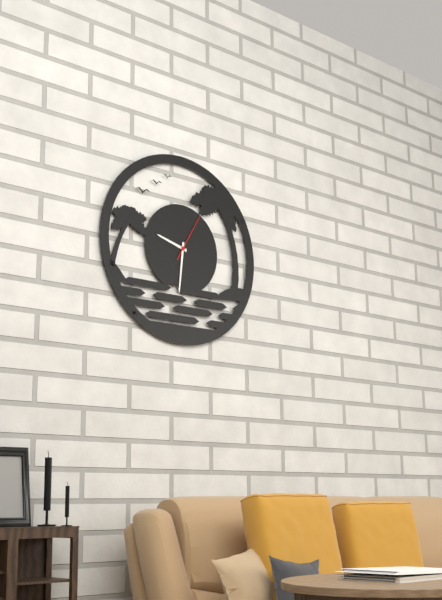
**9:31**
